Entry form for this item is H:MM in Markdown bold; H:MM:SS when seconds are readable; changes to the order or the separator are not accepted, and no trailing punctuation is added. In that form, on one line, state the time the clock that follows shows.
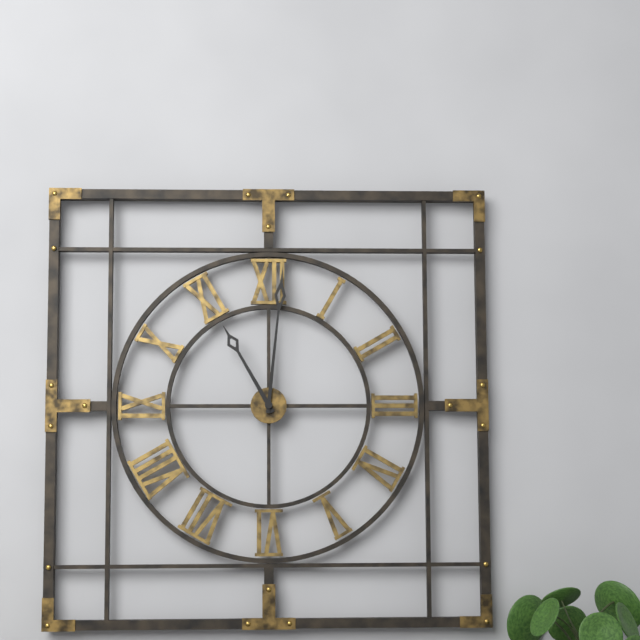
**11:01**
